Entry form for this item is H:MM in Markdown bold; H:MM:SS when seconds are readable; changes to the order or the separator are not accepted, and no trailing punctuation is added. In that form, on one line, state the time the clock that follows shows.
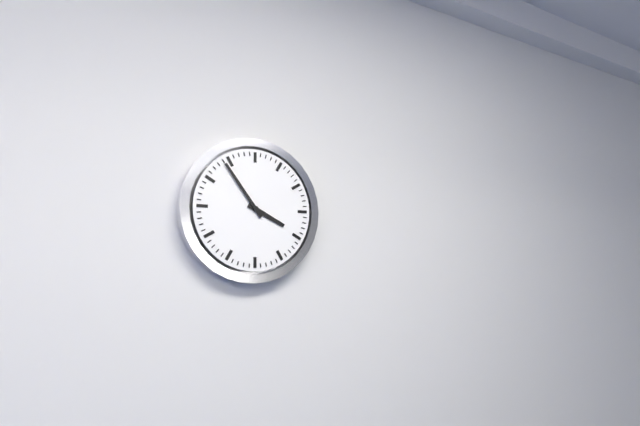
**3:54**
